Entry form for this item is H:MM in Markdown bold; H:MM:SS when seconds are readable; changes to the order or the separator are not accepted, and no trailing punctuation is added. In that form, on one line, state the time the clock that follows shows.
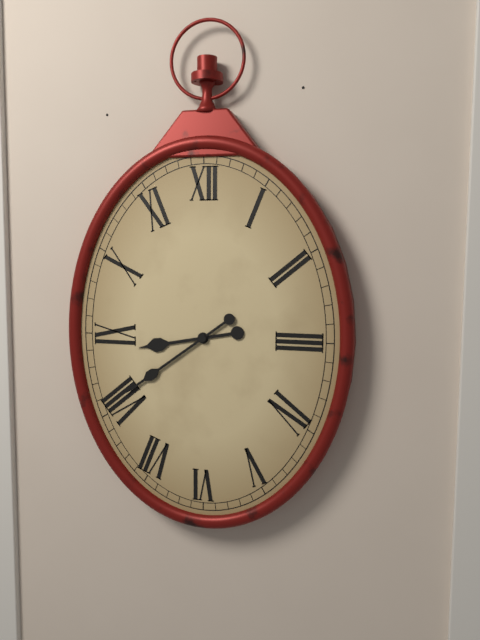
**8:39**
